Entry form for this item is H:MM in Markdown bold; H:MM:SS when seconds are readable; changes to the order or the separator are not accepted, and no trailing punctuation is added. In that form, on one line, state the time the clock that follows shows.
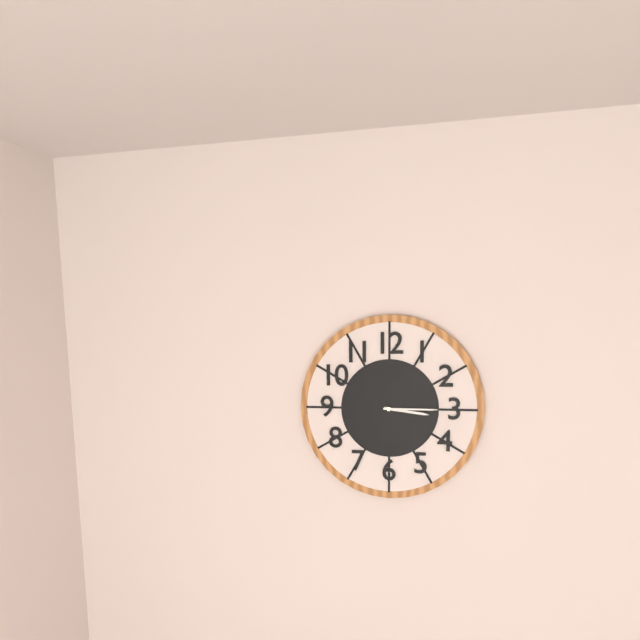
**3:15**
